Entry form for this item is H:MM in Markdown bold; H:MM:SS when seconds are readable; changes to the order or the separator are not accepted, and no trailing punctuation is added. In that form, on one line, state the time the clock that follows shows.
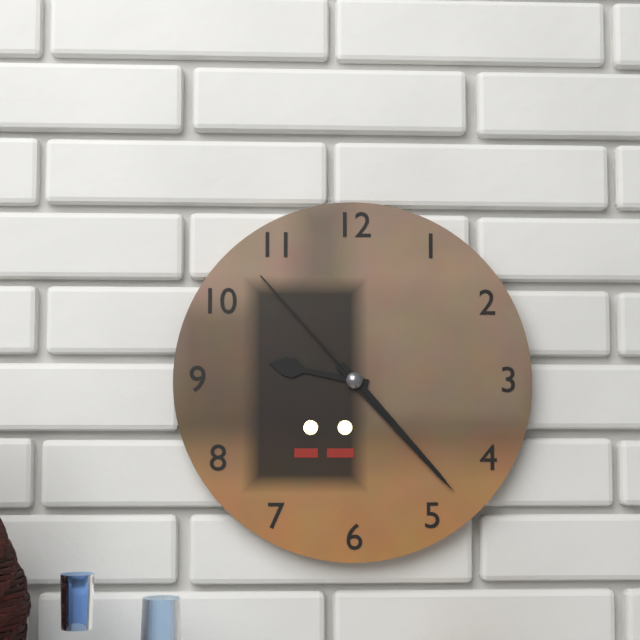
**9:23:53**
